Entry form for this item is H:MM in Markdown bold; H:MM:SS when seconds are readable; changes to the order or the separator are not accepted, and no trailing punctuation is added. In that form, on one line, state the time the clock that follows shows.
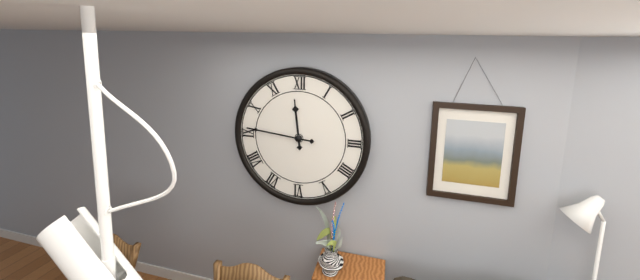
**11:46**
